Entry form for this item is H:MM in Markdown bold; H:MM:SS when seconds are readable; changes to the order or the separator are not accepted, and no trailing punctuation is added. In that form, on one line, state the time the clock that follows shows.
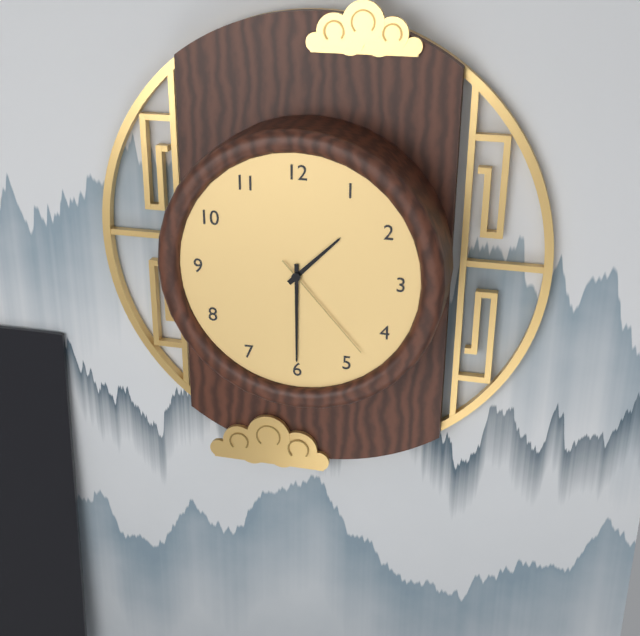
**1:30:23**
